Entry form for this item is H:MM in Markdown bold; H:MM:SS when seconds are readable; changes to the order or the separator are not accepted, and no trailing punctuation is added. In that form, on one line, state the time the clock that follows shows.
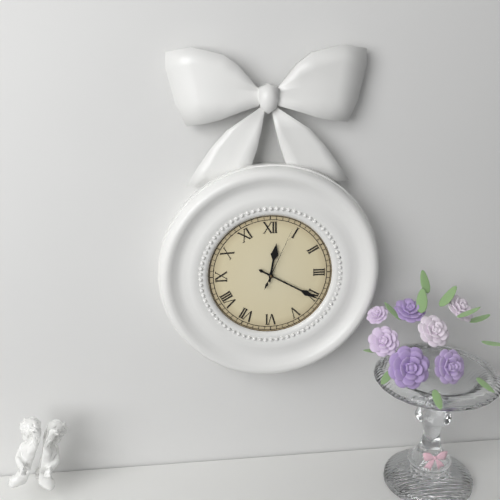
**12:20:04**
